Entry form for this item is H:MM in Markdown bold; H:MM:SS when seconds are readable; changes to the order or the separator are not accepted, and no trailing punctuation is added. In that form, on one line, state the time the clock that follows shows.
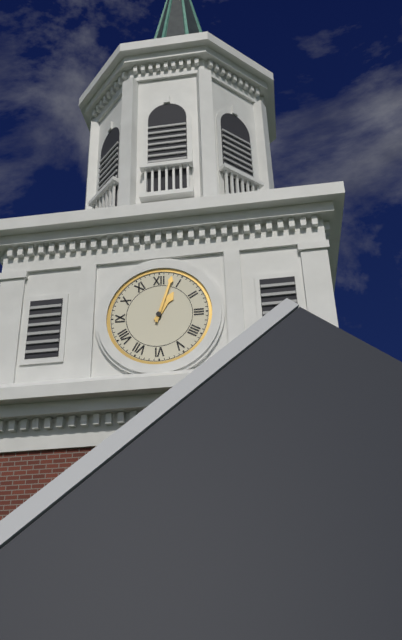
**1:03**
